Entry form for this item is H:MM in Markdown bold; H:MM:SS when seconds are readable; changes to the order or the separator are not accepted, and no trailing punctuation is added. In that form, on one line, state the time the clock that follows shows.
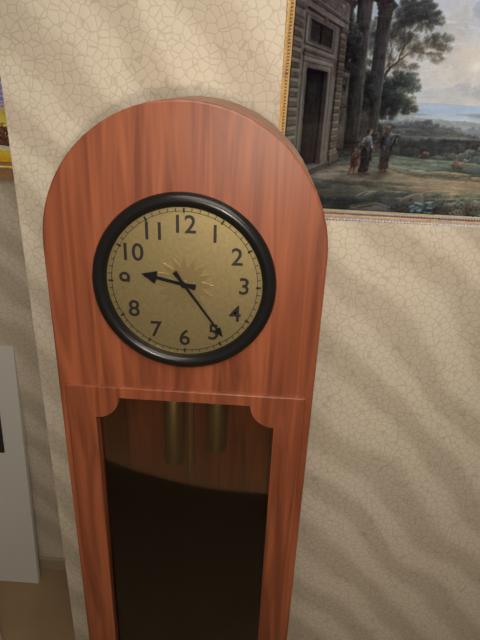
**9:24**
